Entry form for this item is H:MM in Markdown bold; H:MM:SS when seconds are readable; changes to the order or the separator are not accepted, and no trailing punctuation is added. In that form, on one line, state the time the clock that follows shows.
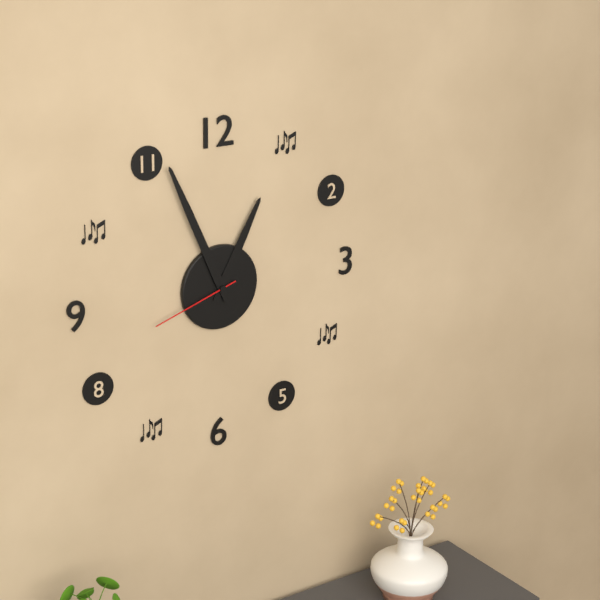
**12:56:42**
